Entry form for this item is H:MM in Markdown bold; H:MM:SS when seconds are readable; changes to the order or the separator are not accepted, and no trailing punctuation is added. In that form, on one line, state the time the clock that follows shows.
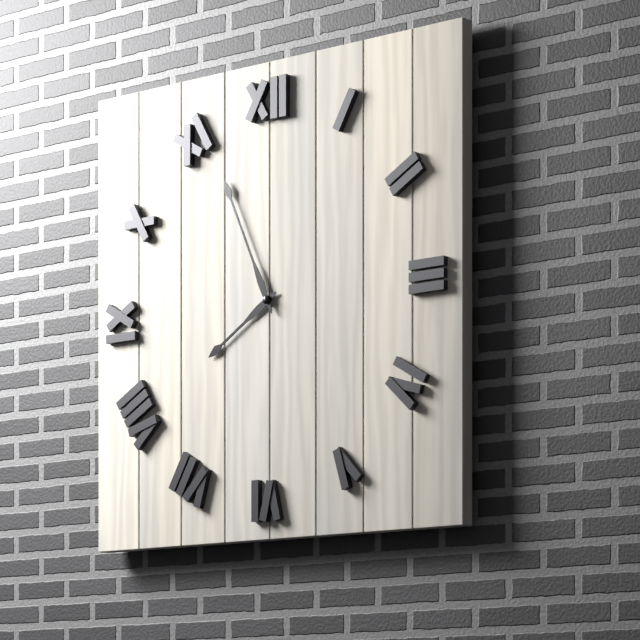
**7:56**
